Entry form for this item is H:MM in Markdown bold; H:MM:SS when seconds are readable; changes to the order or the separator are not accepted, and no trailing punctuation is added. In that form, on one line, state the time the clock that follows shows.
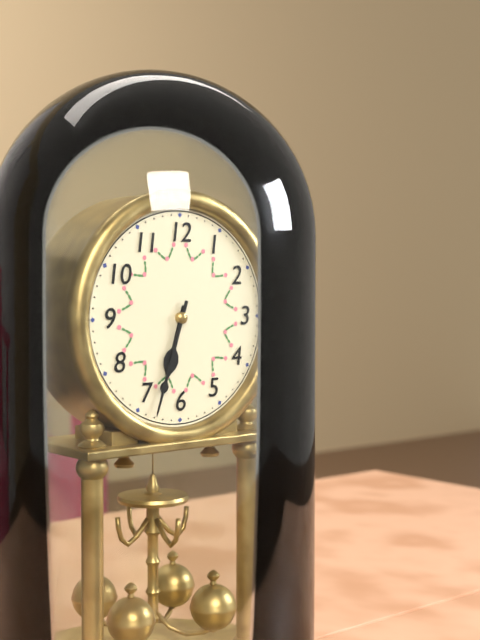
**6:33**
